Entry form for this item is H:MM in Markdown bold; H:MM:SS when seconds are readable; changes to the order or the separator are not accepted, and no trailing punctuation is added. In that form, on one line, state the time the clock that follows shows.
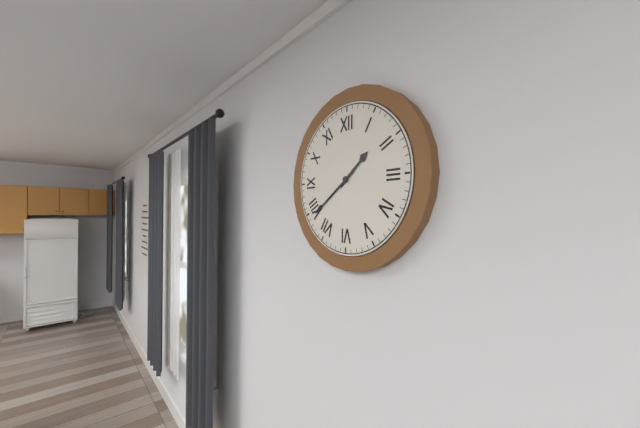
**1:39**
